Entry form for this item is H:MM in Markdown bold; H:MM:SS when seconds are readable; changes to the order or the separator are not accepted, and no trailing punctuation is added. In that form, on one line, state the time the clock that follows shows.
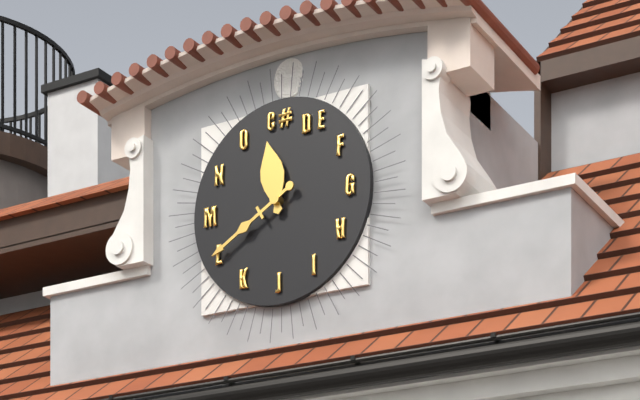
**11:40**
